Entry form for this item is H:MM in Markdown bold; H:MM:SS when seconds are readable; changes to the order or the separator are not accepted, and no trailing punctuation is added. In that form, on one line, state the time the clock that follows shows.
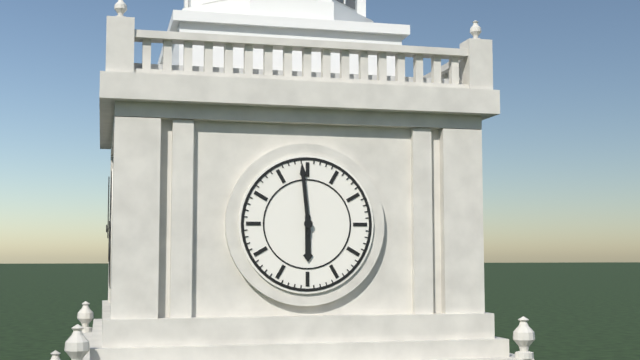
**5:59**
